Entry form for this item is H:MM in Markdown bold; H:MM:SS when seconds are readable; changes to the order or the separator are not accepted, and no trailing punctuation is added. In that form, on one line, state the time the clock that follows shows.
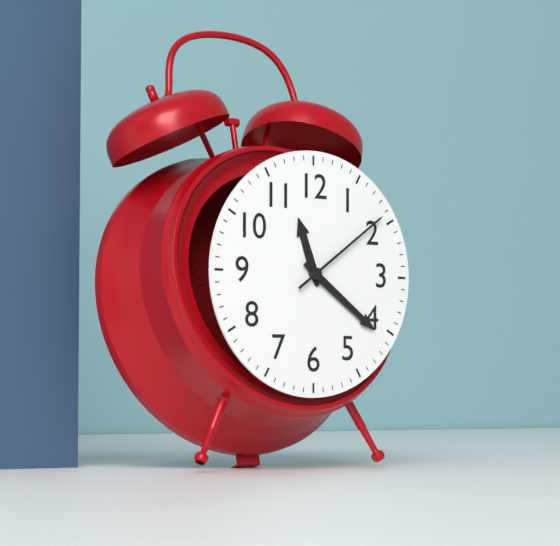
**11:21:09**
